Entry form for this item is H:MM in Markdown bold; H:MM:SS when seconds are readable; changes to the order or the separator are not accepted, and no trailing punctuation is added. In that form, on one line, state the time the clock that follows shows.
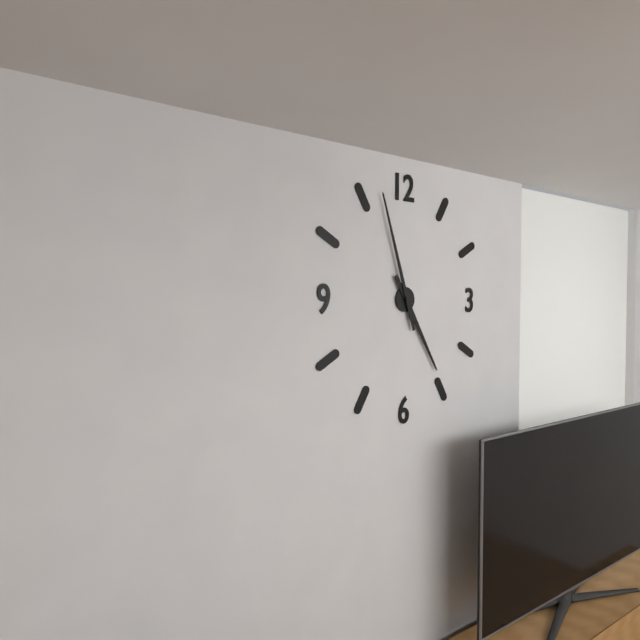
**4:57**
